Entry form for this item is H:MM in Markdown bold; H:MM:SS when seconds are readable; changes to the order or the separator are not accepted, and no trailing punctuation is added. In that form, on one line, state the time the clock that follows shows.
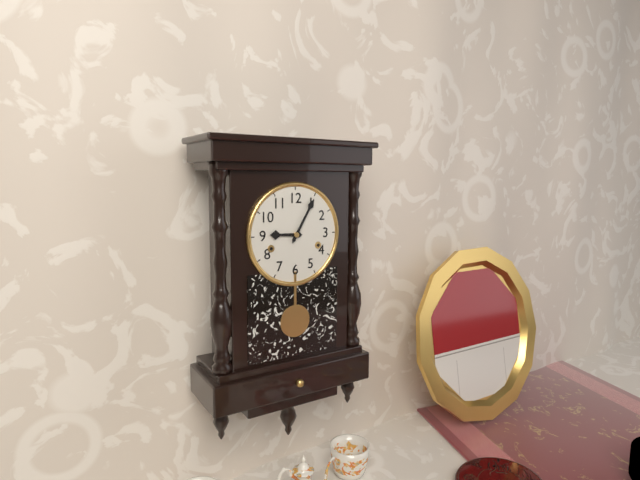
**9:05**
